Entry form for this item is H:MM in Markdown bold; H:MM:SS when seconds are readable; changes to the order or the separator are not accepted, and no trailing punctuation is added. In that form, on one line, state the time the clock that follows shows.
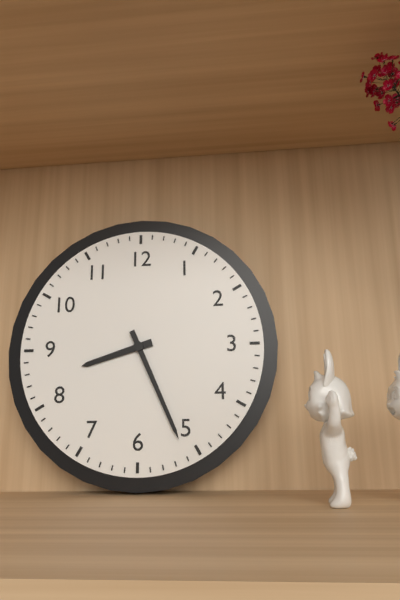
**8:26**
